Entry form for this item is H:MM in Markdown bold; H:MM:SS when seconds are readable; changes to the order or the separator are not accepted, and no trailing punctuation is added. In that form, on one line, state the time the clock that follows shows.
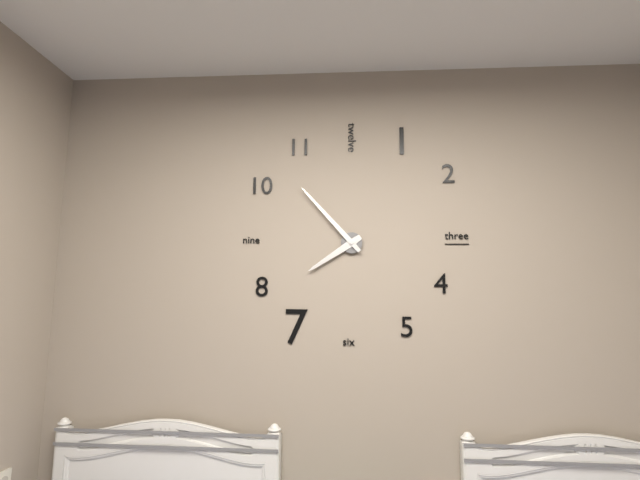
**7:53**
